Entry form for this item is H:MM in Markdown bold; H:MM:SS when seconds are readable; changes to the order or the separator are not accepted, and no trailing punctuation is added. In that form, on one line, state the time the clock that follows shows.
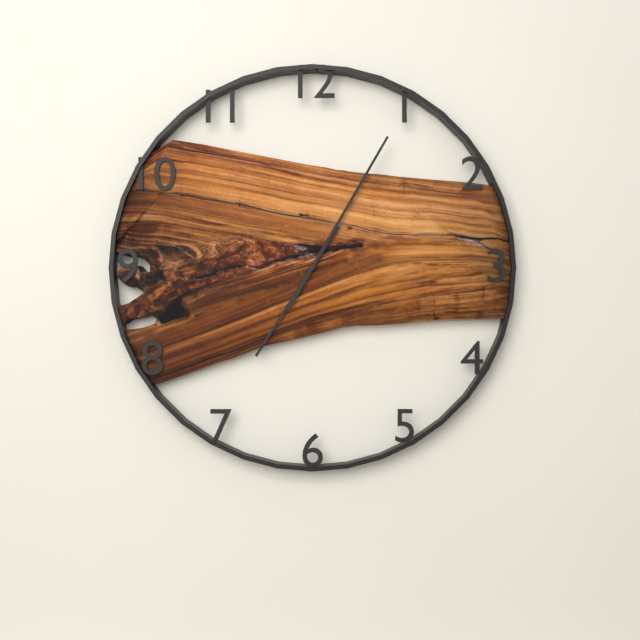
**7:05**
